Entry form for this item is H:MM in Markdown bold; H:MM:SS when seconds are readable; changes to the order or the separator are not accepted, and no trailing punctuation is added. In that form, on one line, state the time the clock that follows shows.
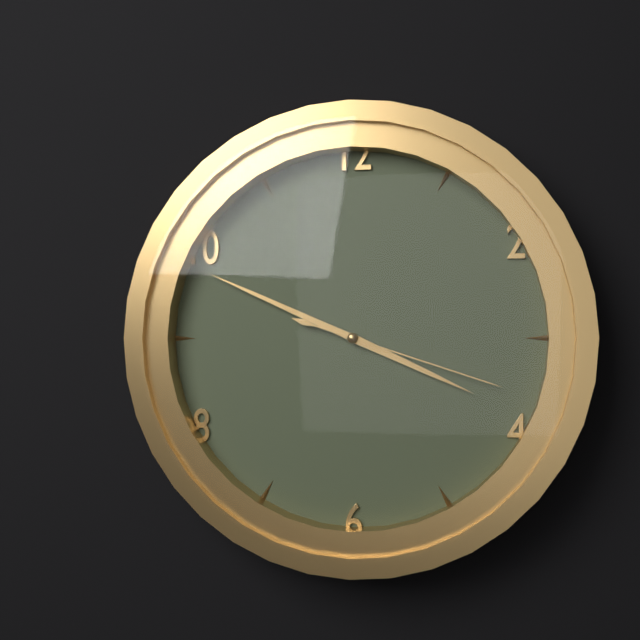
**3:49:18**
